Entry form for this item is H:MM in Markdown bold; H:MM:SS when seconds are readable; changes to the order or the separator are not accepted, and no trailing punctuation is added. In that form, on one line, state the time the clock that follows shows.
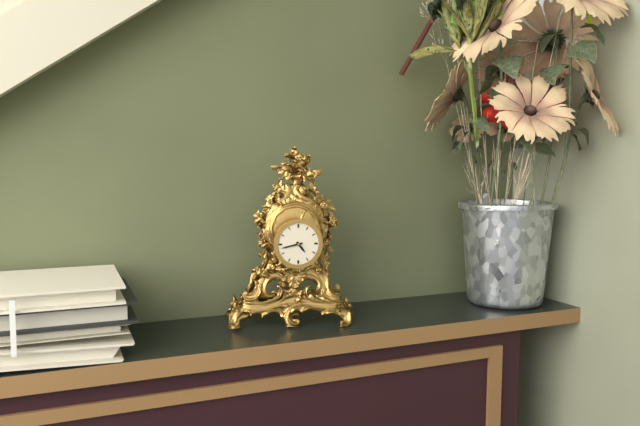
**4:43**
